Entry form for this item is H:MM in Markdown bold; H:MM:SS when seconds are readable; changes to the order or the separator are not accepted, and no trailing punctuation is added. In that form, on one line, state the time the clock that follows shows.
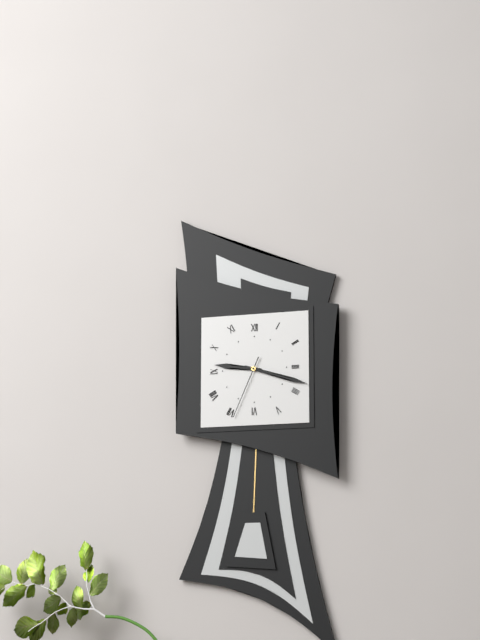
**9:18:34**
